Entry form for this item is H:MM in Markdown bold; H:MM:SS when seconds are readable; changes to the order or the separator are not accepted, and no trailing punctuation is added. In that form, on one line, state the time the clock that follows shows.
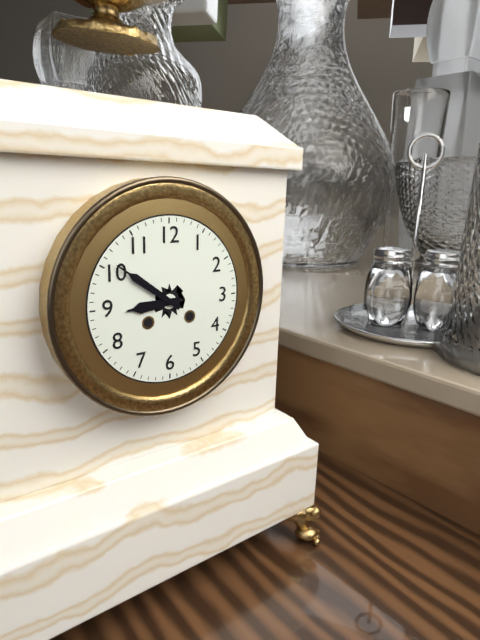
**8:51**
